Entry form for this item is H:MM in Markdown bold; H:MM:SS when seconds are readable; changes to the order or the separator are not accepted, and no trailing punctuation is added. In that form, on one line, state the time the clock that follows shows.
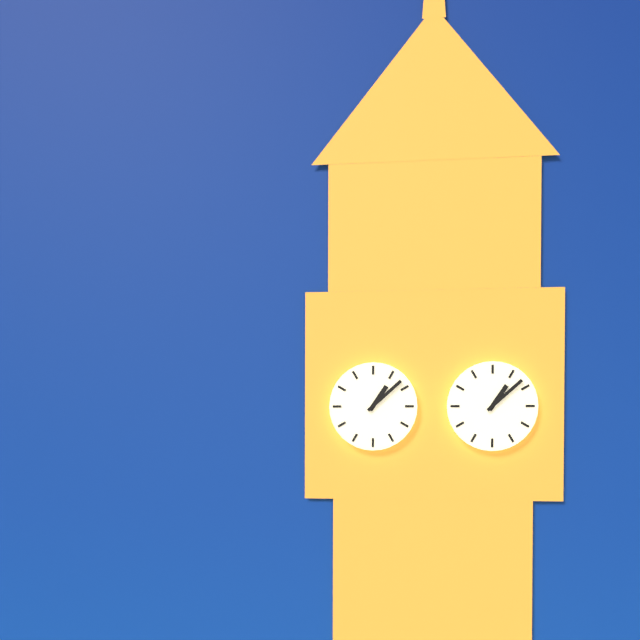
**1:08**
